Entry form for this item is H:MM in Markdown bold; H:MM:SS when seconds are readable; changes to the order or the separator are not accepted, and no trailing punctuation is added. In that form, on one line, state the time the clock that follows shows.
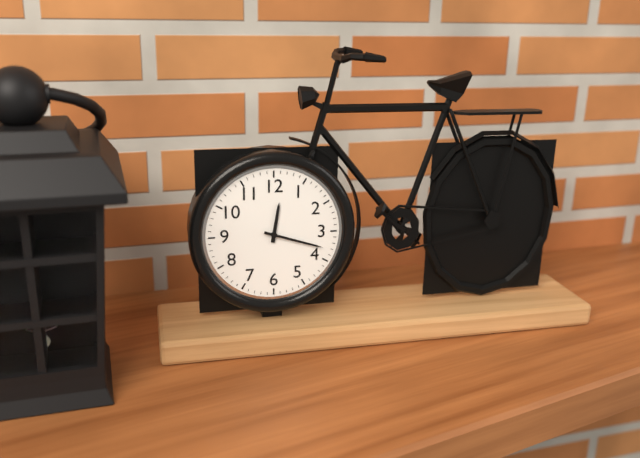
**12:18**
